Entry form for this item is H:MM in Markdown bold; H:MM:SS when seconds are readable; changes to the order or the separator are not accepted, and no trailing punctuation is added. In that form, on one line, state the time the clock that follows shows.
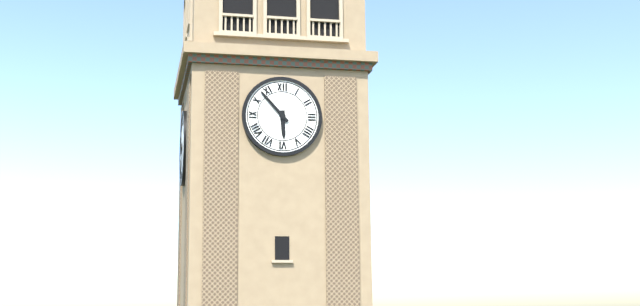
**5:53**
